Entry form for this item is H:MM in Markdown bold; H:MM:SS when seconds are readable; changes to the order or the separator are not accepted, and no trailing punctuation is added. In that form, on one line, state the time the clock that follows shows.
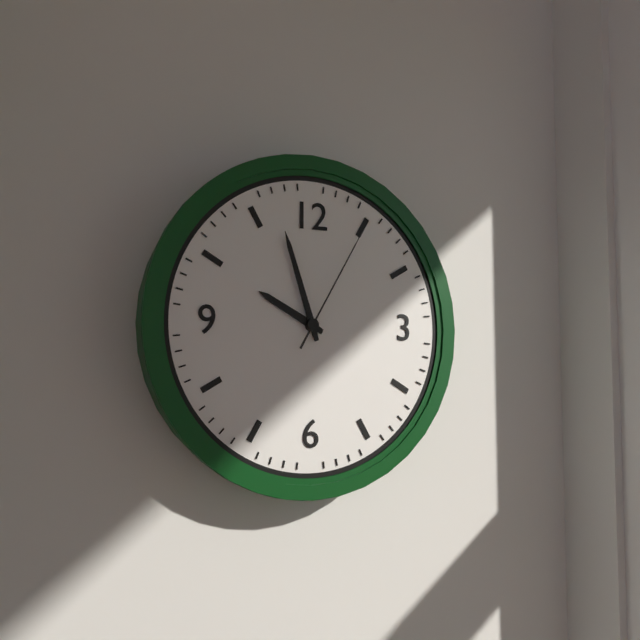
**9:57:05**
